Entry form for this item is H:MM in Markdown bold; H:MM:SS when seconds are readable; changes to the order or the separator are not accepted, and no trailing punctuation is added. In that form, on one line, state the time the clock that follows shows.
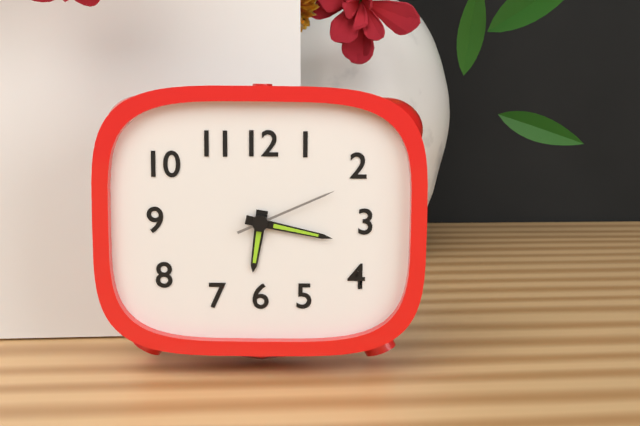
**6:17:11**
